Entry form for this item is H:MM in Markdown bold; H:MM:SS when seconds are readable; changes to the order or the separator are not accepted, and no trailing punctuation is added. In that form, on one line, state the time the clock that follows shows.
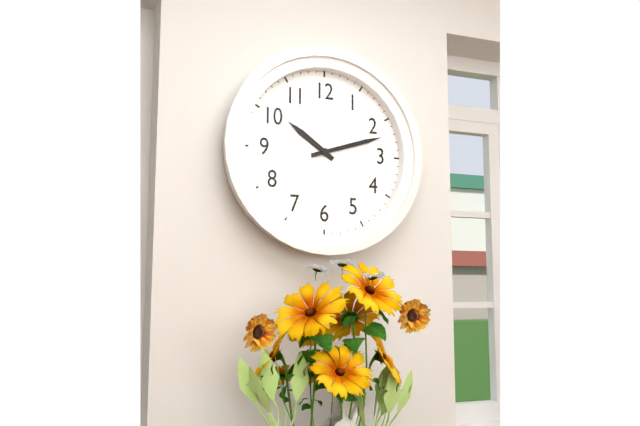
**10:12**
